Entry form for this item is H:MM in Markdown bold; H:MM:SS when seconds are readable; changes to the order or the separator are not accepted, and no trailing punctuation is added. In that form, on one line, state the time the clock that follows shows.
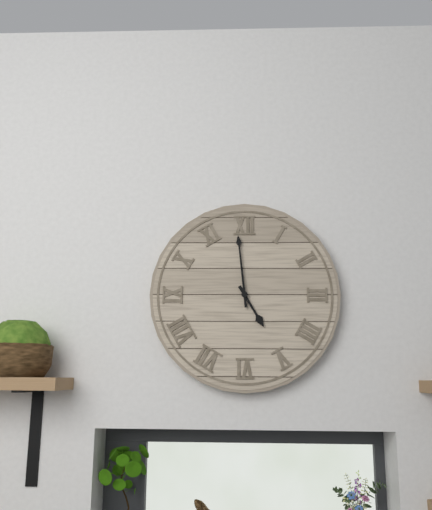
**4:59**
